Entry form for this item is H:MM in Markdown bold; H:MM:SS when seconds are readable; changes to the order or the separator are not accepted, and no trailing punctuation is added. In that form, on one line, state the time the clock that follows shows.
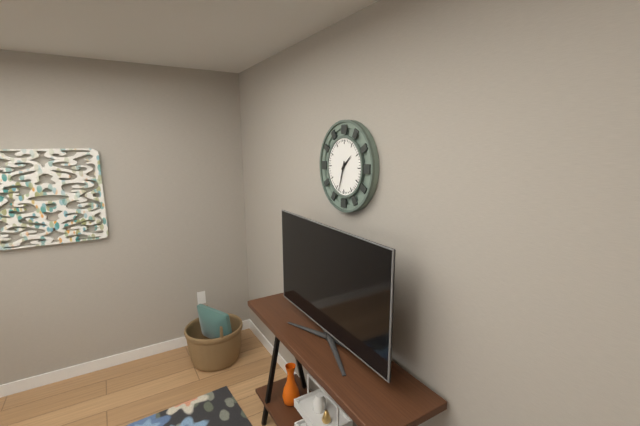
**1:33**
